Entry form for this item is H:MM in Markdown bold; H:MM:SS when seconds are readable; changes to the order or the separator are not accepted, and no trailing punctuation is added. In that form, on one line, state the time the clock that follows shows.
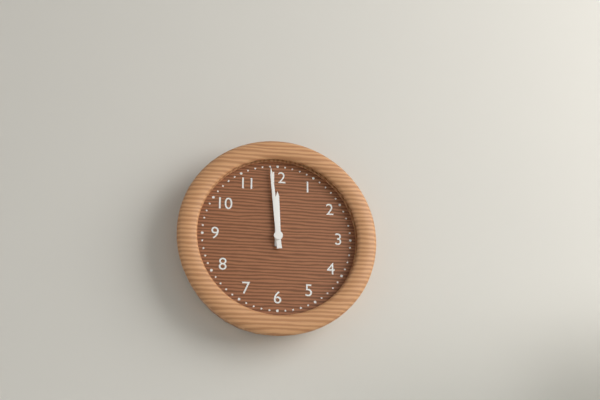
**11:59**
